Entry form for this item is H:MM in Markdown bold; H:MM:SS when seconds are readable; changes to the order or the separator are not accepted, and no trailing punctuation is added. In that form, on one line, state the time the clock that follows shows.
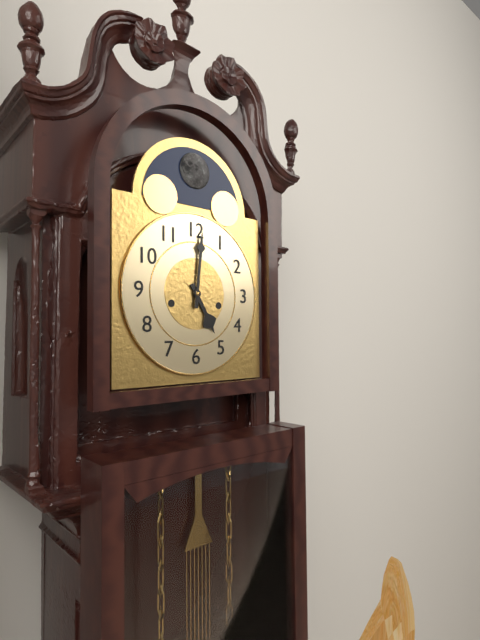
**5:01**
